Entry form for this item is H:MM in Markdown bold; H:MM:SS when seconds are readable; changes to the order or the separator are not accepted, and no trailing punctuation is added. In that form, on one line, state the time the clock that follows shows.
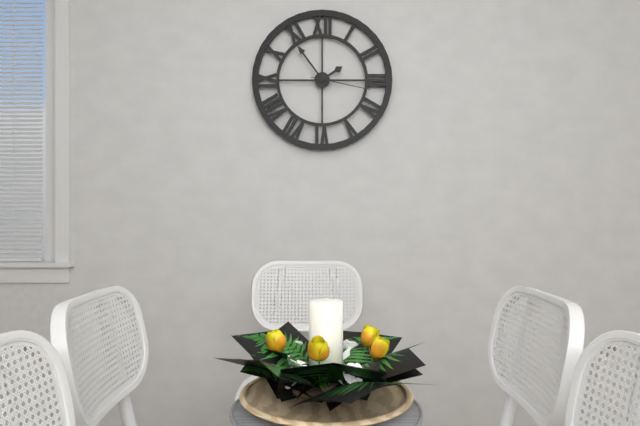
**1:54:17**
